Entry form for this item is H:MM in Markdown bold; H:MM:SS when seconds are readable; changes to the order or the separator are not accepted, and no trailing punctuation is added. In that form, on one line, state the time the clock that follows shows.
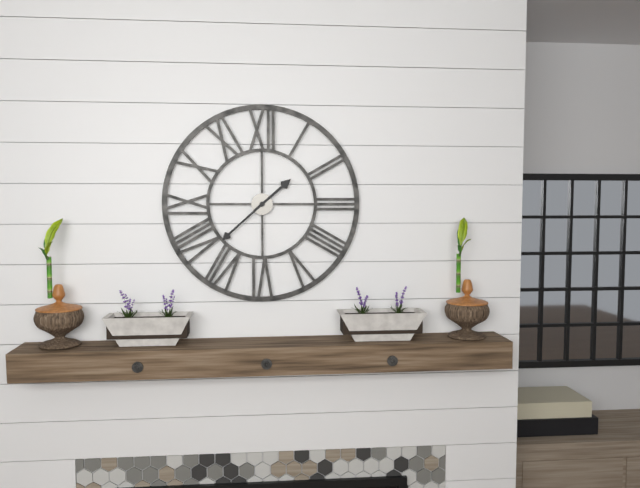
**1:38**
